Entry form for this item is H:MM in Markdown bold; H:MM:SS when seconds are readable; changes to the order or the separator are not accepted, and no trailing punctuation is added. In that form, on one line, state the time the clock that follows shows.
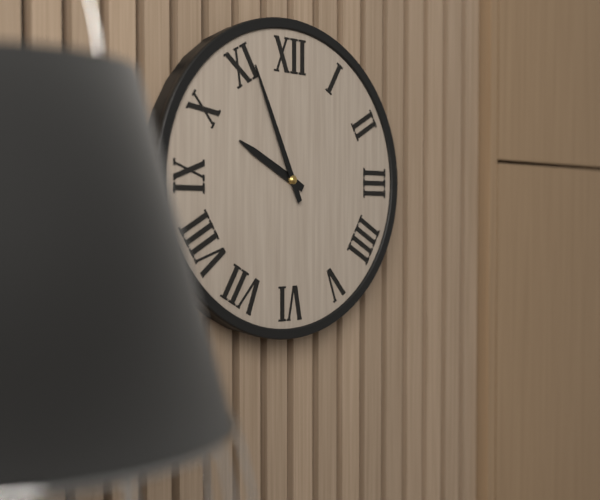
**9:56**
